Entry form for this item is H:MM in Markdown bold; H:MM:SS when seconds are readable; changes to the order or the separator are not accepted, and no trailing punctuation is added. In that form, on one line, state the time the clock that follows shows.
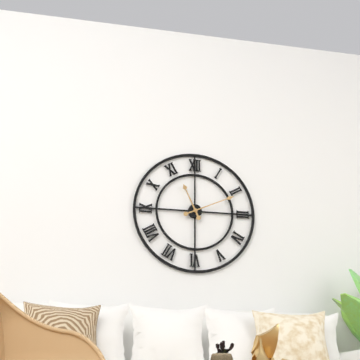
**11:11**
